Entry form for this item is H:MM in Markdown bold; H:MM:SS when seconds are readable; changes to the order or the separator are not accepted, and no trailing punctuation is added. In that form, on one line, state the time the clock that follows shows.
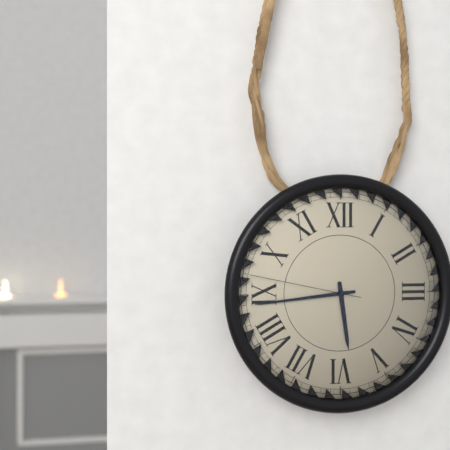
**5:44:47**
